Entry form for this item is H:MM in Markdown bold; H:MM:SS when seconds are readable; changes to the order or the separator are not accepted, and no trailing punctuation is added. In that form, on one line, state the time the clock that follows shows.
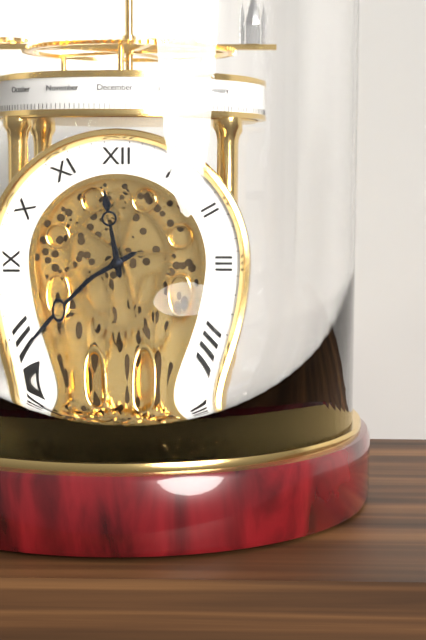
**11:40**
